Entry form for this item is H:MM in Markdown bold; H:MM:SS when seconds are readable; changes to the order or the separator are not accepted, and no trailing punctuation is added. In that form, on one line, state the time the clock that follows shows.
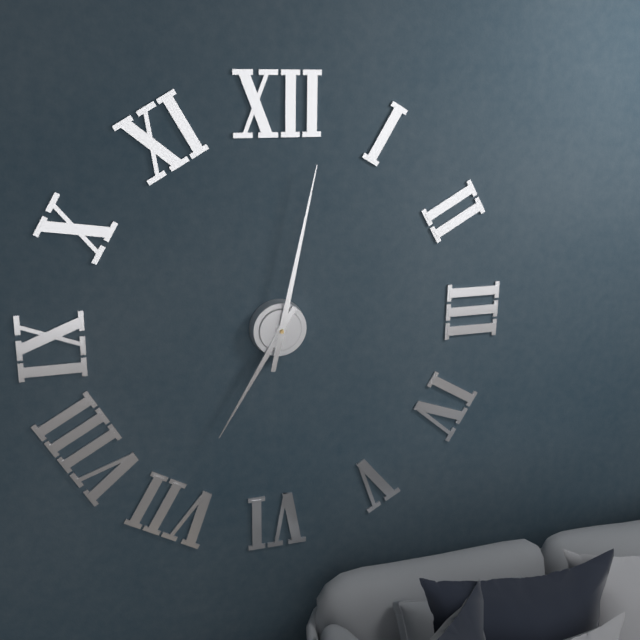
**7:02**
